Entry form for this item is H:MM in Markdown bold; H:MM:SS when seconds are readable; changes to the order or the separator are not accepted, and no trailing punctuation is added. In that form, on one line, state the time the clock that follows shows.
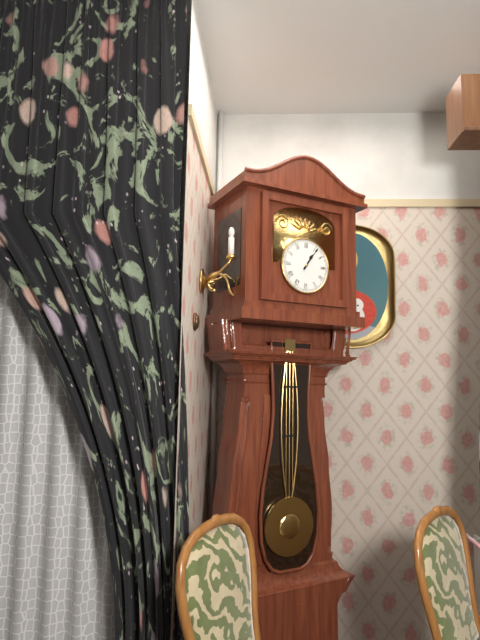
**1:06**
